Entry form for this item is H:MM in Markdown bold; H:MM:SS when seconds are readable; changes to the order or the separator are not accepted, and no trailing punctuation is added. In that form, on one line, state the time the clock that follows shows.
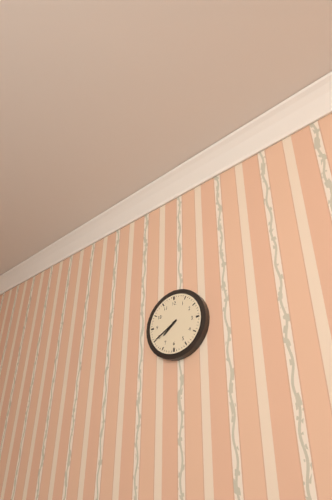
**7:40**
